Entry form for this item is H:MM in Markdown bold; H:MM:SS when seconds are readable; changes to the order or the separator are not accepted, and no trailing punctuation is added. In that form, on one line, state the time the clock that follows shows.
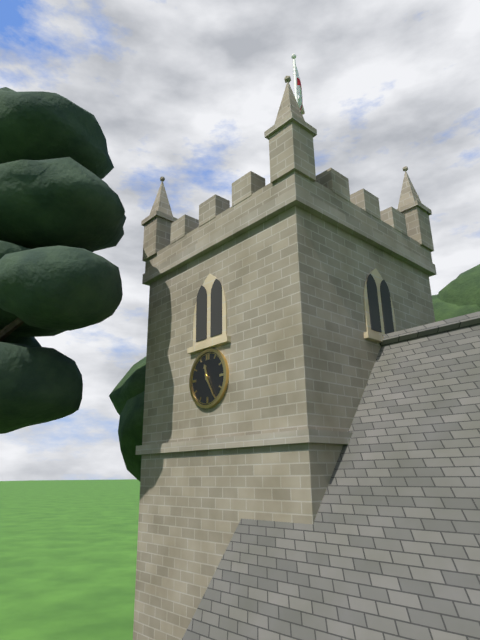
**11:25**
